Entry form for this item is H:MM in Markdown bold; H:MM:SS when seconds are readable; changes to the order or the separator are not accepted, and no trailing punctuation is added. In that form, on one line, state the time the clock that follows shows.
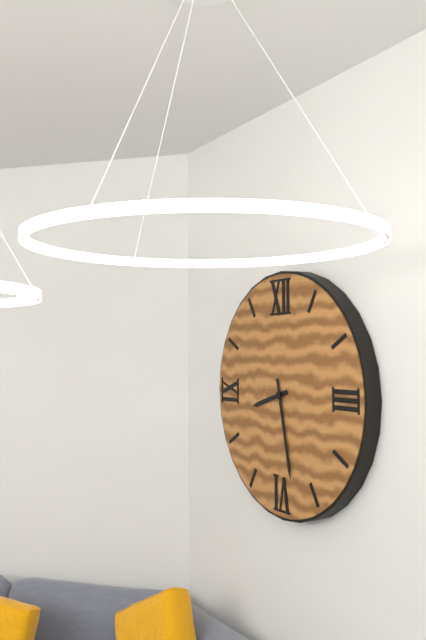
**8:28**
